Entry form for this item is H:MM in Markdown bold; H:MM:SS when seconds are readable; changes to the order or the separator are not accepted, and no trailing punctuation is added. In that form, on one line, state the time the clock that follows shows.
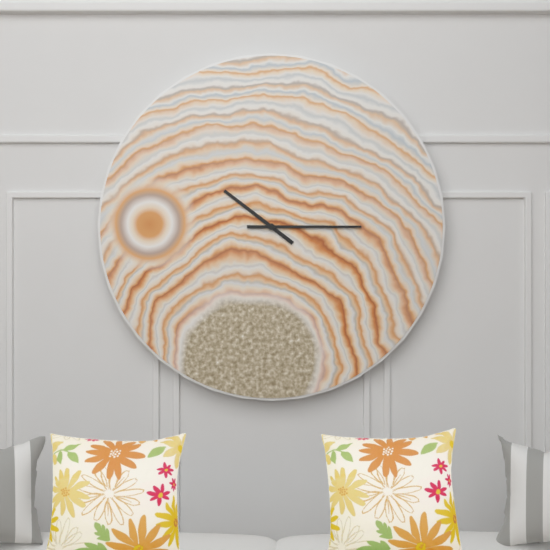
**10:15**
